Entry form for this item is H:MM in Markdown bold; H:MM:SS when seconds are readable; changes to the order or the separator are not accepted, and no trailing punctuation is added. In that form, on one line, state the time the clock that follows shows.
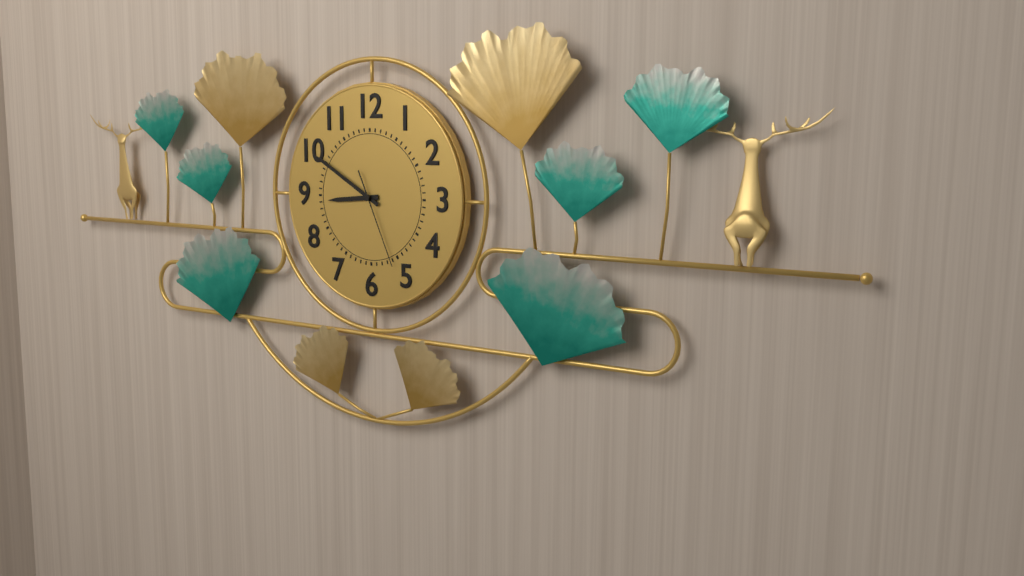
**8:50:26**
